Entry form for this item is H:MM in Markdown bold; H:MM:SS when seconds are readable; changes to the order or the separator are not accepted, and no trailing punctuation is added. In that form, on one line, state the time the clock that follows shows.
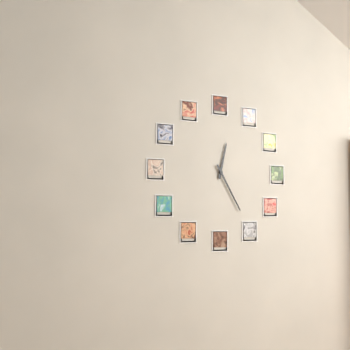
**12:25**
